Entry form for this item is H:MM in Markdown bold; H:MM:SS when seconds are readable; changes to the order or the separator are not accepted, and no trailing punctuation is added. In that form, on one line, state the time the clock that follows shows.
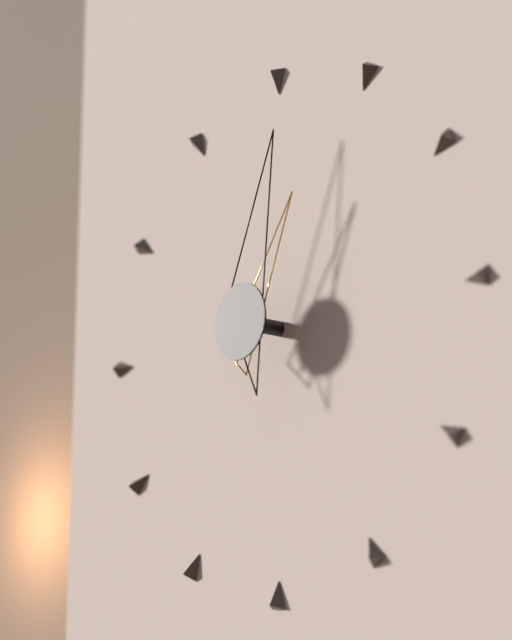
**1:02**
